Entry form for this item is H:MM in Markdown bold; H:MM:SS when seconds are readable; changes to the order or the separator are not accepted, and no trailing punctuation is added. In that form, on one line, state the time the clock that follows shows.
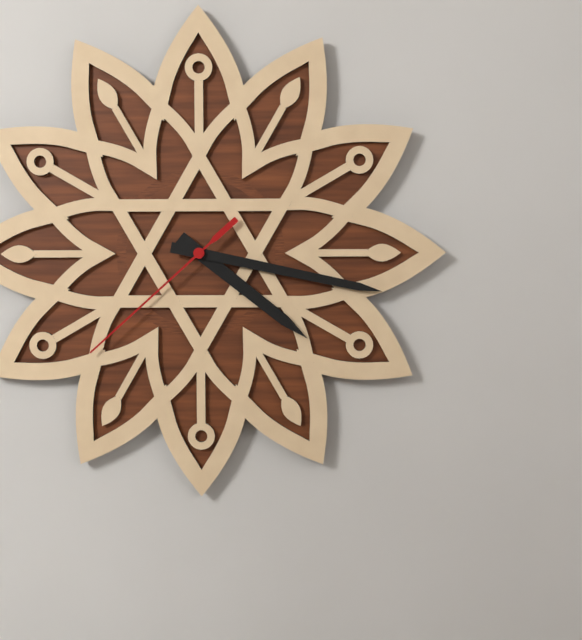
**4:17:38**
